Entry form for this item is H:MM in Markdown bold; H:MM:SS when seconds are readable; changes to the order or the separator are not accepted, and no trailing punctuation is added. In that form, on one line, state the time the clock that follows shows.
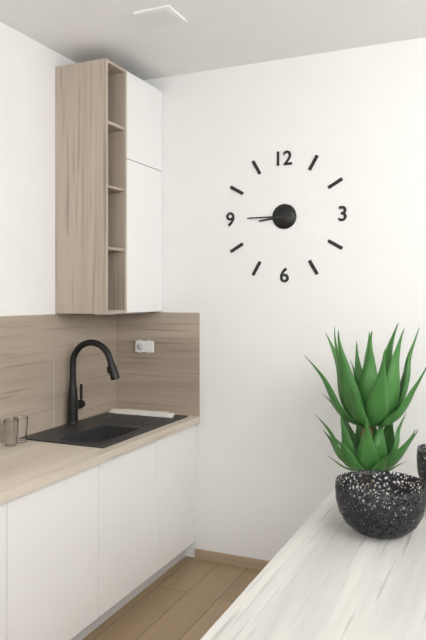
**8:45**
